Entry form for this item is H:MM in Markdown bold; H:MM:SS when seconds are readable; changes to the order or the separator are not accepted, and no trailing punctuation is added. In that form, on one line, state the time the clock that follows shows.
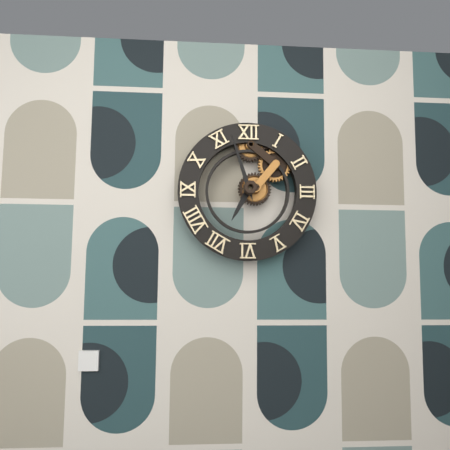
**6:57**
